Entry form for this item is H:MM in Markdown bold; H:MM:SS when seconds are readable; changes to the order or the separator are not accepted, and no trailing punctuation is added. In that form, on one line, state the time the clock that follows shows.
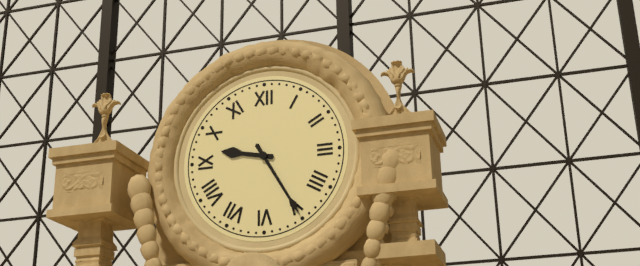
**9:25**
